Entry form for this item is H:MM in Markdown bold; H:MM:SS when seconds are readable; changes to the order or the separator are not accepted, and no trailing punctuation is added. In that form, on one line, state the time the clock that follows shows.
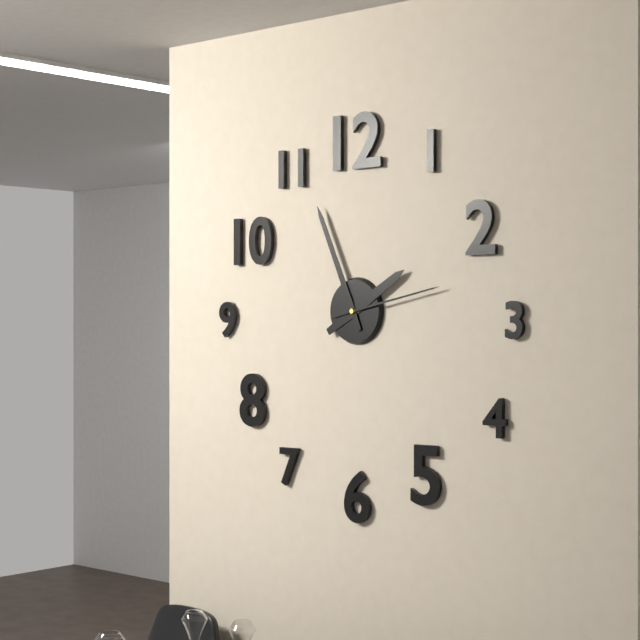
**1:56:13**
